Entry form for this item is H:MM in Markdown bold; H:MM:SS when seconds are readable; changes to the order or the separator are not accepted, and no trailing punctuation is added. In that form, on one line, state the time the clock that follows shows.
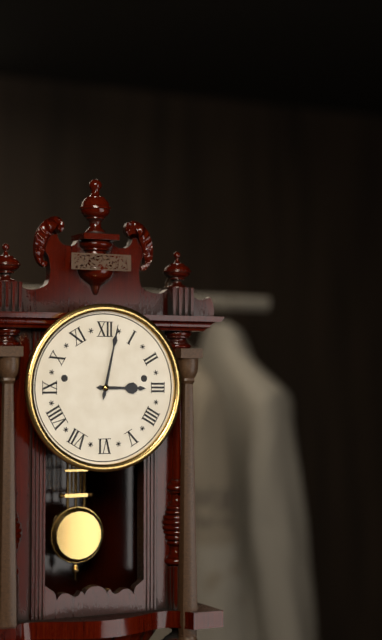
**3:02**
